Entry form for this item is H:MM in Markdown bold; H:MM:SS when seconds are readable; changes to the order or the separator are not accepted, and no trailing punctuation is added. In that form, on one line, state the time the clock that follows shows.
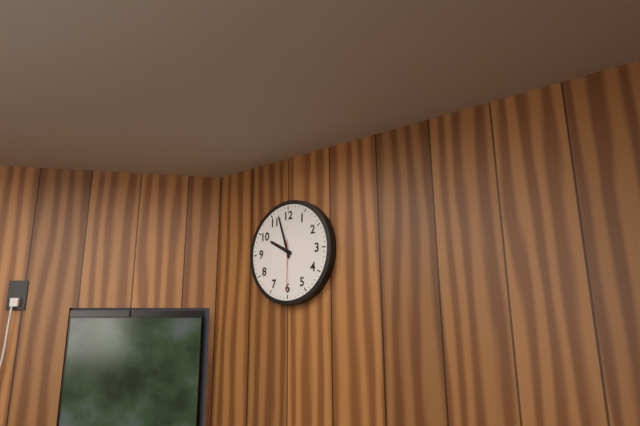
**9:57:30**
